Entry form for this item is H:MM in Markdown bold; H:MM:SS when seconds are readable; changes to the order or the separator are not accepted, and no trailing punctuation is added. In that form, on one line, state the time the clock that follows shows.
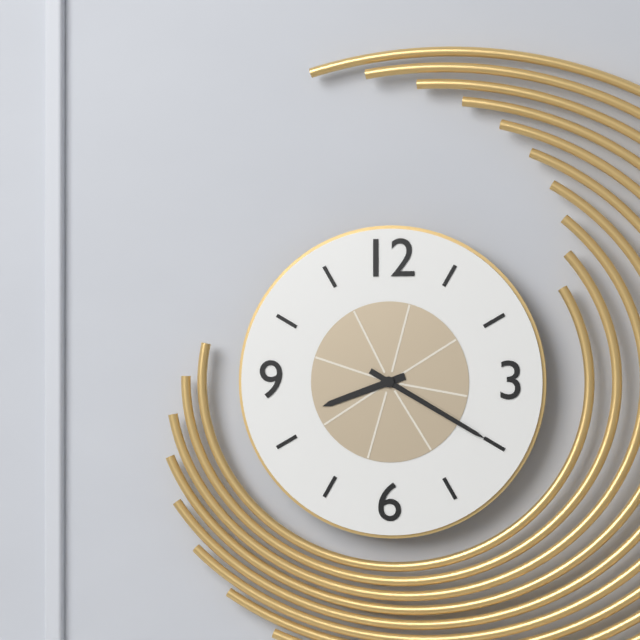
**8:20**
